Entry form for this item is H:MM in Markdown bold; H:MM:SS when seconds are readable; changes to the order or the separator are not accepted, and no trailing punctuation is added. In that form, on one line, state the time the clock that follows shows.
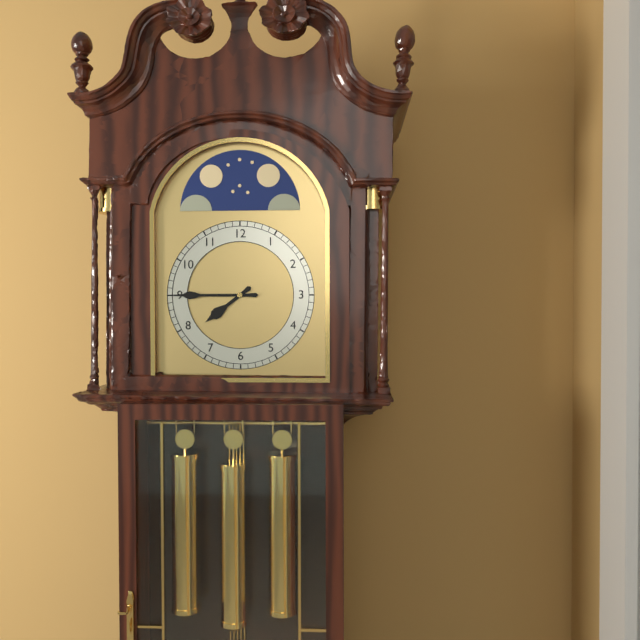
**7:45**
